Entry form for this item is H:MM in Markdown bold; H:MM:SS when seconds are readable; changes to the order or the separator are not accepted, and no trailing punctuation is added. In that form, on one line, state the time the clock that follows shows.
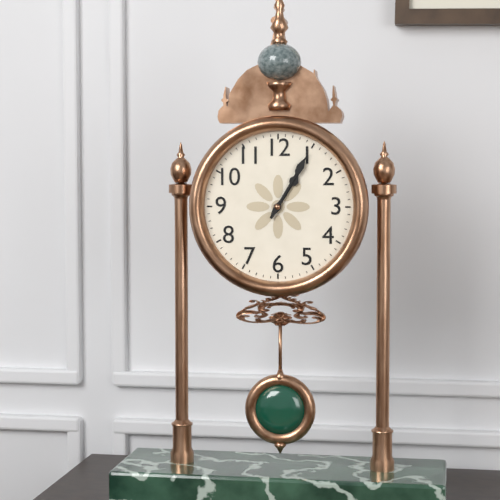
**1:05**
